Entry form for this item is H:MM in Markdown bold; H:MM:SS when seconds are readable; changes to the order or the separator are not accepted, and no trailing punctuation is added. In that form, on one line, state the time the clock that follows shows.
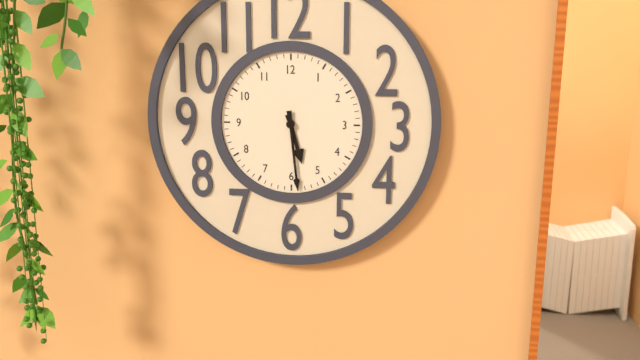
**5:29**
